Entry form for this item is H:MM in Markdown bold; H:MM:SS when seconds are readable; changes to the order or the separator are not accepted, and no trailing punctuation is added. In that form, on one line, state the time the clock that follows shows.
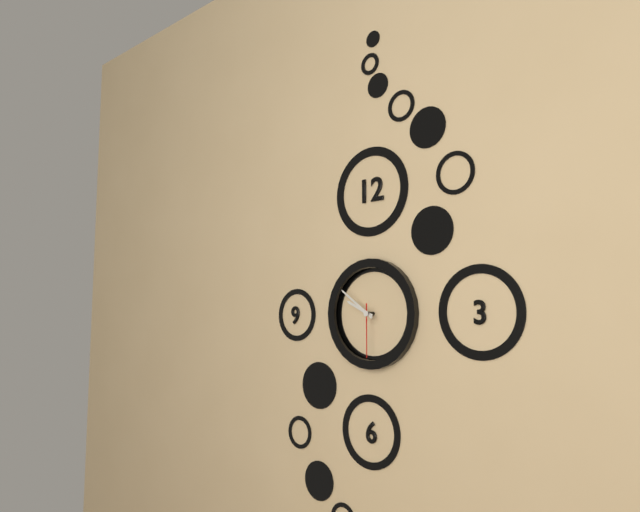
**9:51:30**
